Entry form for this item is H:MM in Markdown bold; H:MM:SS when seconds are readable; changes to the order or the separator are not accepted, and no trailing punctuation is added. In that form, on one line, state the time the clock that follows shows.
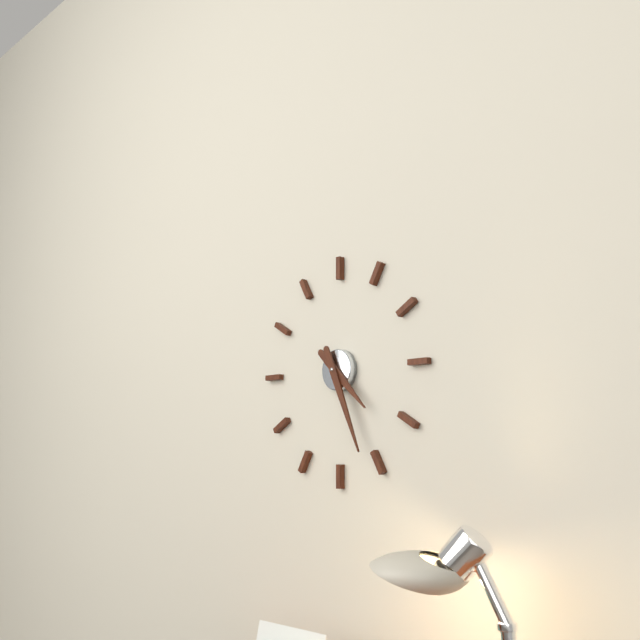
**4:26**
